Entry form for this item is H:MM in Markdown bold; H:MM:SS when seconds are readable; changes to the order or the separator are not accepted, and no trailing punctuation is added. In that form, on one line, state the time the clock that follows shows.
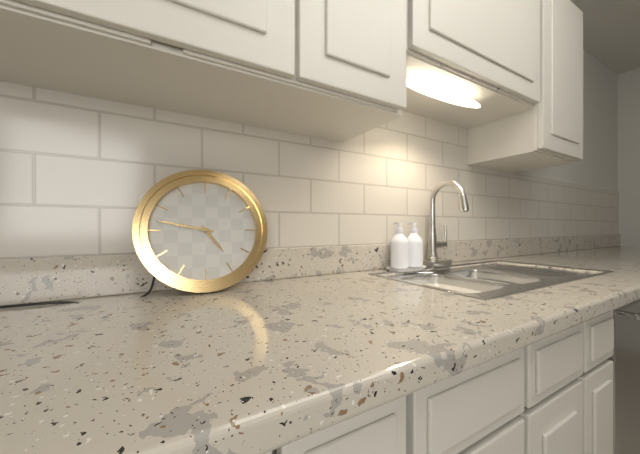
**4:47**
